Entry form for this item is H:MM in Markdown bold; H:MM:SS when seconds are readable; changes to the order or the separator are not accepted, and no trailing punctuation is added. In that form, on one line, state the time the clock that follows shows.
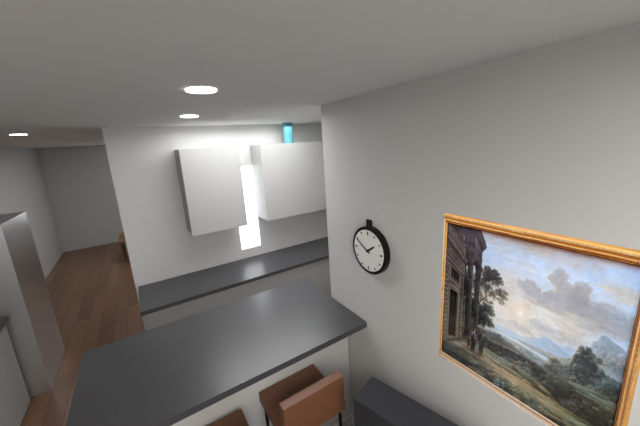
**1:50**
